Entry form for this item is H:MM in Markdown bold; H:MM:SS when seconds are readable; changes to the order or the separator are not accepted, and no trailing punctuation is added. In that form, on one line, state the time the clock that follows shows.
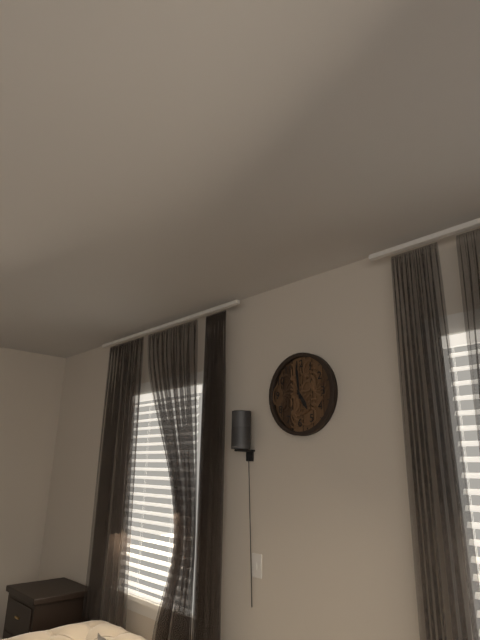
**4:59**
